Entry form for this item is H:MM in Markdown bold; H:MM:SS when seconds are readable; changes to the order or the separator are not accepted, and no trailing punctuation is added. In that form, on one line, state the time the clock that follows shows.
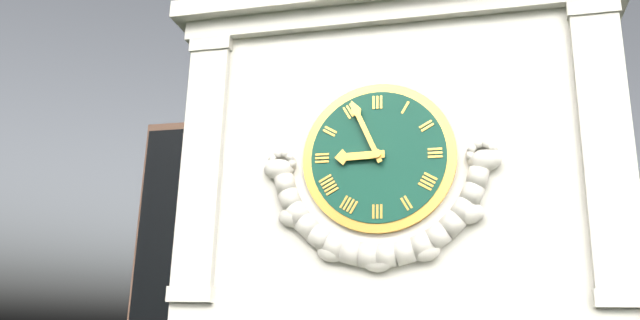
**8:56**
